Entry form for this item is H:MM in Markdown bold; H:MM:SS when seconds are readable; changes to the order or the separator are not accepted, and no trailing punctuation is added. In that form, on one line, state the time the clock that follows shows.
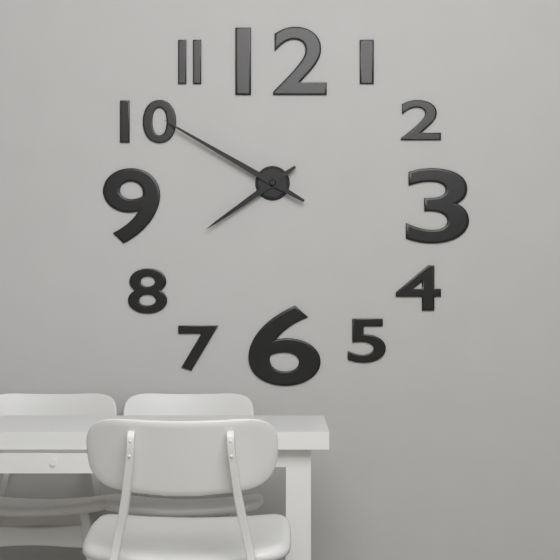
**7:50**
